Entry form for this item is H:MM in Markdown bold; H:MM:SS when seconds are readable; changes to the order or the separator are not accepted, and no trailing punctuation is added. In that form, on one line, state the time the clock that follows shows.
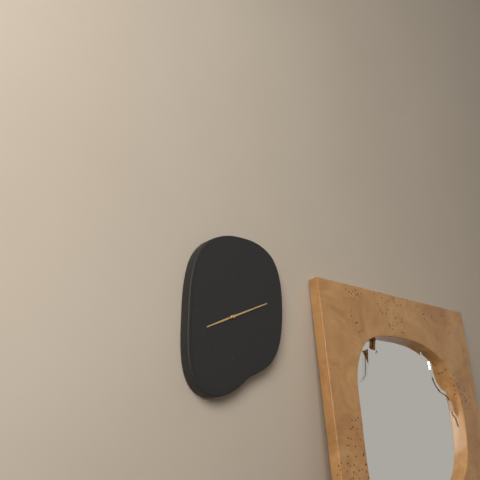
**8:11**
